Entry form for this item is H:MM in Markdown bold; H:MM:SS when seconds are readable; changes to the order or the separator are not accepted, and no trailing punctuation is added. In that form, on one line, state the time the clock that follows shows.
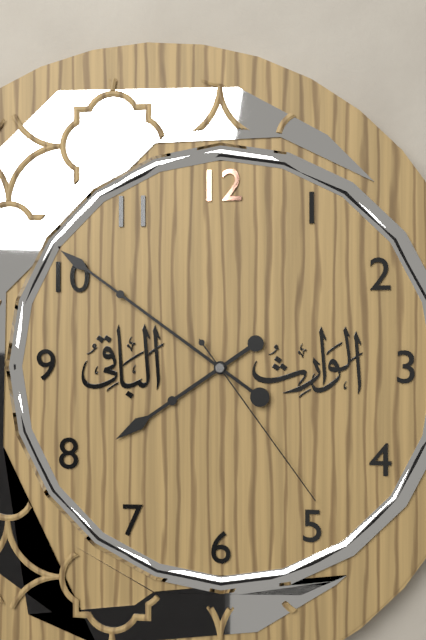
**7:51:24**
